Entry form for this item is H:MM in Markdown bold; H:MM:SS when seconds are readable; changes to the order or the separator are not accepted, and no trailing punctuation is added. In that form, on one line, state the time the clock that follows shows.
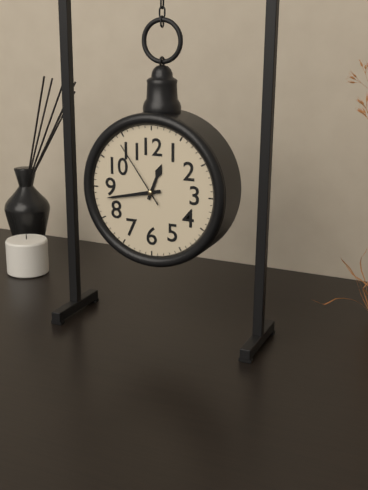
**12:43:54**
